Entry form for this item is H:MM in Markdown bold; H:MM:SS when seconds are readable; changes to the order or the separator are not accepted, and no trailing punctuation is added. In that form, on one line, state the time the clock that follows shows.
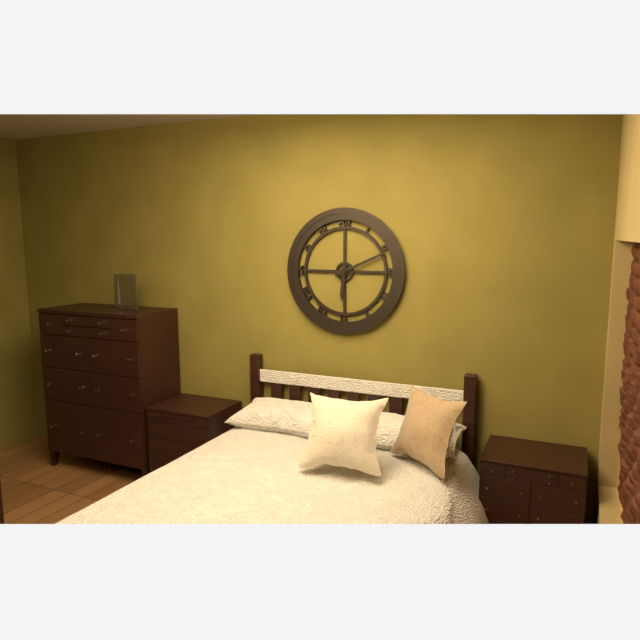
**6:11**
